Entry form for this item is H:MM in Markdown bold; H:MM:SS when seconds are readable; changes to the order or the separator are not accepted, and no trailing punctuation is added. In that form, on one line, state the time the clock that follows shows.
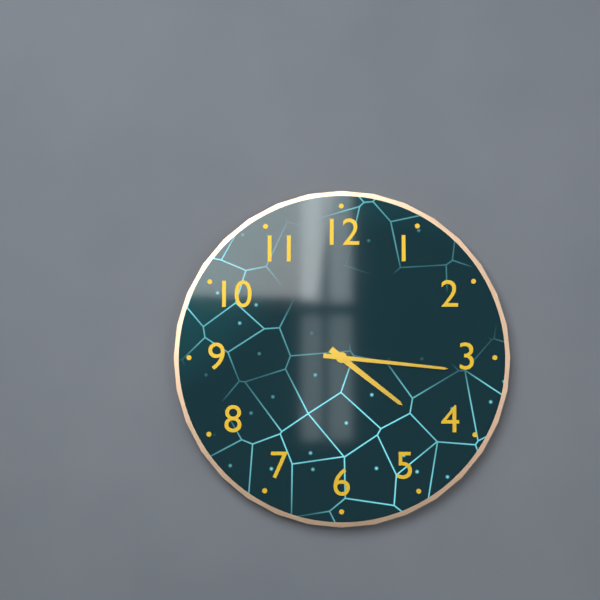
**4:16**
